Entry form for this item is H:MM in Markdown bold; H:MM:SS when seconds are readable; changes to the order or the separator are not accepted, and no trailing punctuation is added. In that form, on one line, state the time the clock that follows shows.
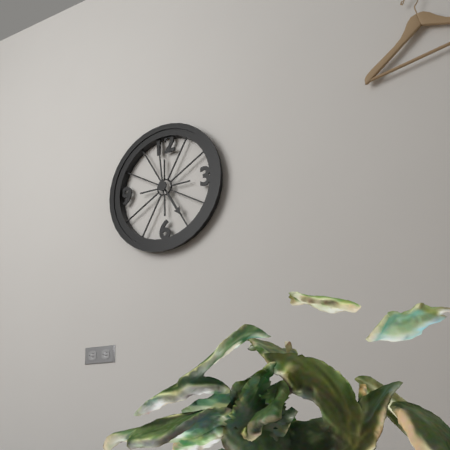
**4:59**
